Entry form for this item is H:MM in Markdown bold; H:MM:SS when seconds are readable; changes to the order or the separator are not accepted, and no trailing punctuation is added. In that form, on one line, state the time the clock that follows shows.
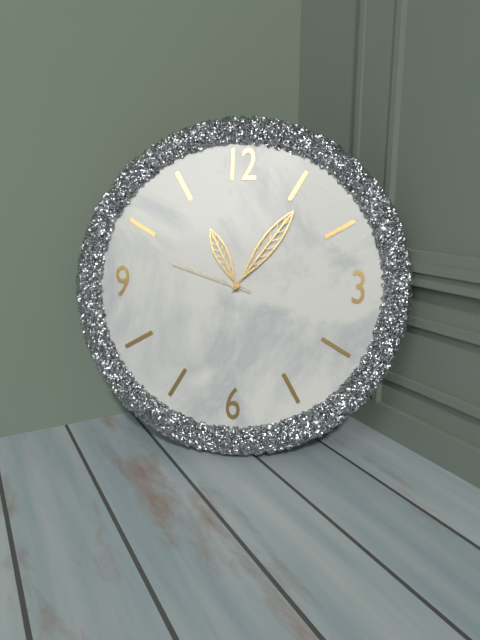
**11:06:48**
